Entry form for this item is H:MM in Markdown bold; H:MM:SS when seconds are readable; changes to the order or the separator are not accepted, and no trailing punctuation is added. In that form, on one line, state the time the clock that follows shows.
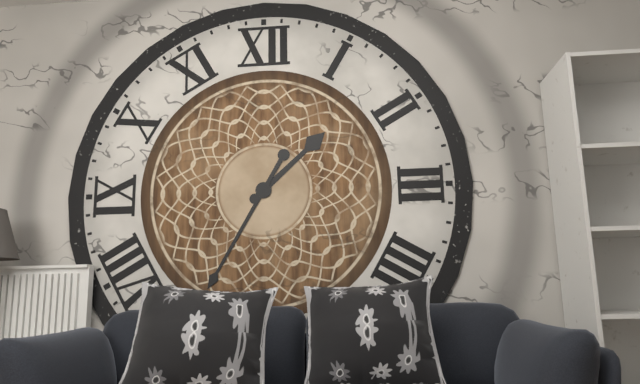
**1:35**
